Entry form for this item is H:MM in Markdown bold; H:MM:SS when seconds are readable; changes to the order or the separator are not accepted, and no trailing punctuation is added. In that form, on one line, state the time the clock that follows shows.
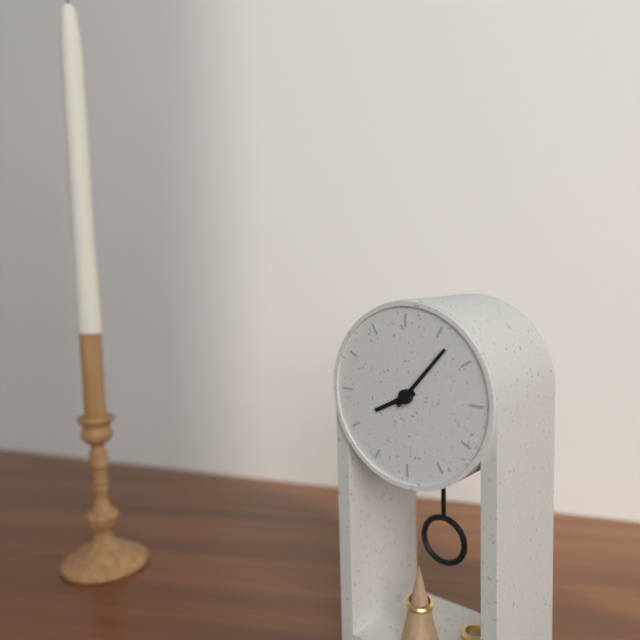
**8:07**
